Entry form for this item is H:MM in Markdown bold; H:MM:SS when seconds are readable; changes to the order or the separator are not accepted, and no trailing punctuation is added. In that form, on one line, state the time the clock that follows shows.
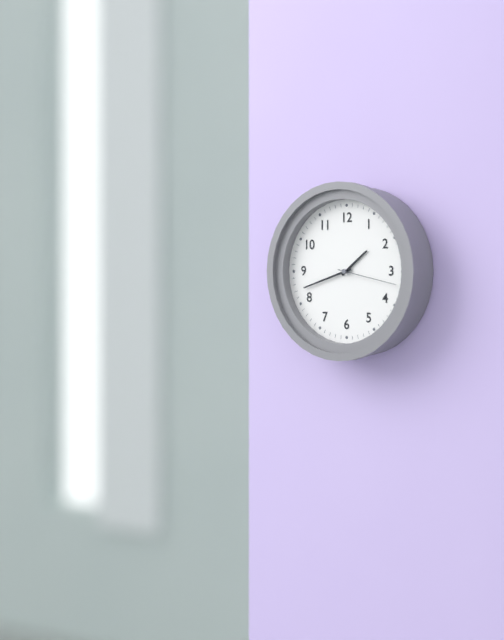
**1:42:17**
